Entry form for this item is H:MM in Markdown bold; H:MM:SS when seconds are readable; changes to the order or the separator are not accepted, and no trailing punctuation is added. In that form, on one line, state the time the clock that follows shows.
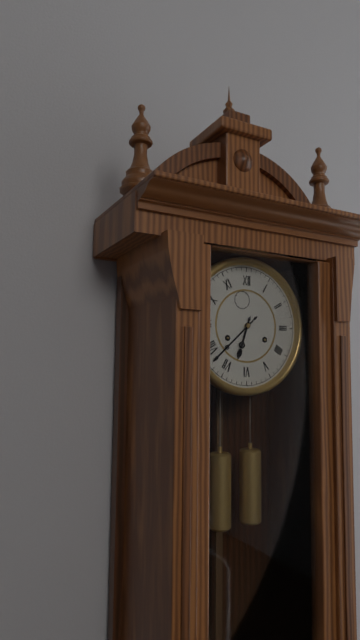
**6:38**
